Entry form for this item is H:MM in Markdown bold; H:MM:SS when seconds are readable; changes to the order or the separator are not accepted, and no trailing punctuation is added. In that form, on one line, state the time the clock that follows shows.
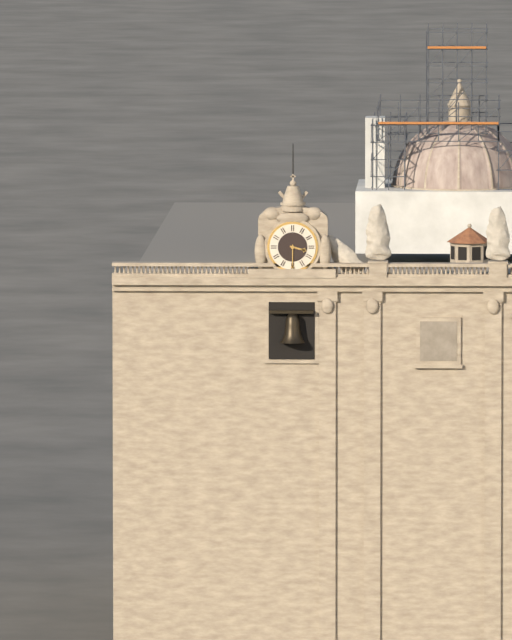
**3:30**
